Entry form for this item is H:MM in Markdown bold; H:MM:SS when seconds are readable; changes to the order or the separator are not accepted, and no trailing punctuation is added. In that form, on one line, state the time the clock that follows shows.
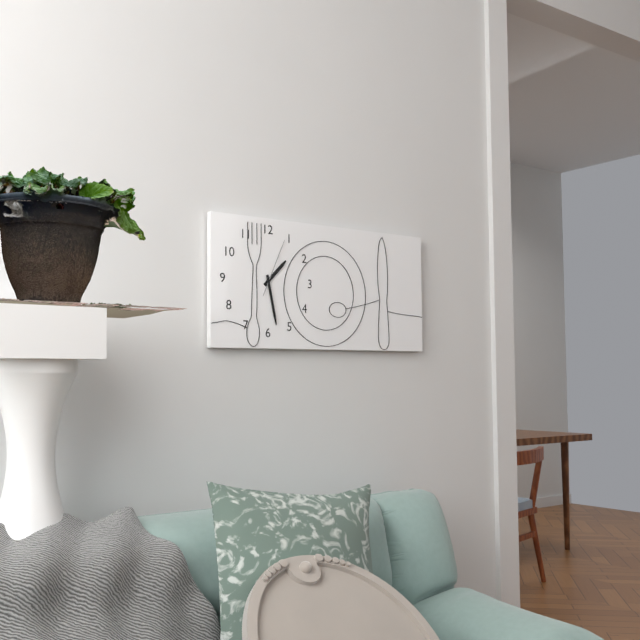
**1:28:04**
